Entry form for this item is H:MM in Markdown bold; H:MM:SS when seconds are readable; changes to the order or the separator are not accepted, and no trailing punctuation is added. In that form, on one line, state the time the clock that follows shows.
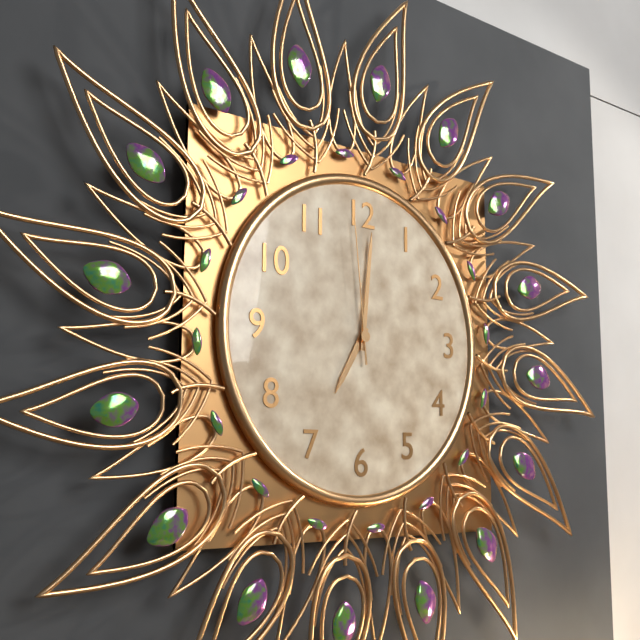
**7:01:59**
